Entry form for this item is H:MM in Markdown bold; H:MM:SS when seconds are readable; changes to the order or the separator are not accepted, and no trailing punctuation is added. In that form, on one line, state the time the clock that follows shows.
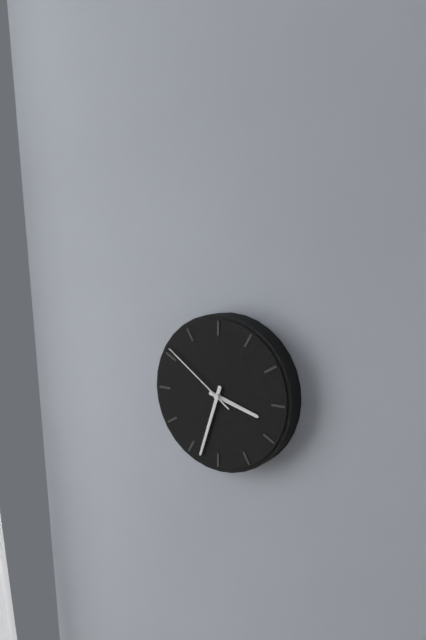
**3:33:51**
